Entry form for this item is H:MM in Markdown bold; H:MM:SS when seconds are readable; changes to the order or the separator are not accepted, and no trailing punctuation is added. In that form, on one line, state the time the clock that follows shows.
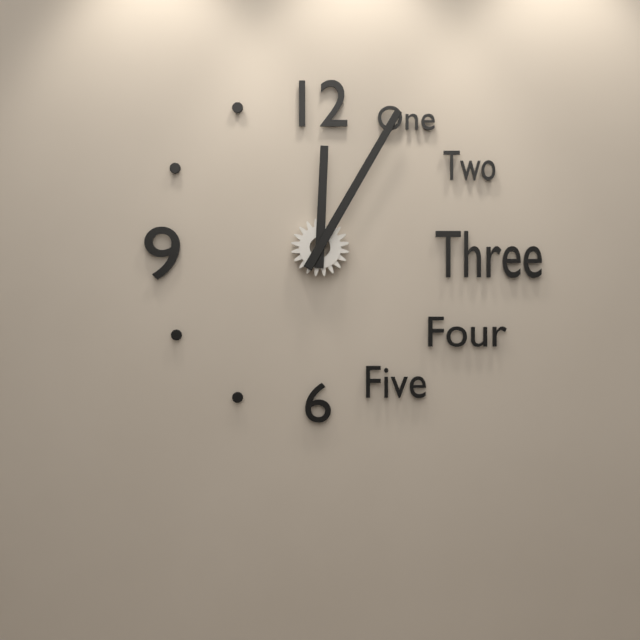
**12:05**
